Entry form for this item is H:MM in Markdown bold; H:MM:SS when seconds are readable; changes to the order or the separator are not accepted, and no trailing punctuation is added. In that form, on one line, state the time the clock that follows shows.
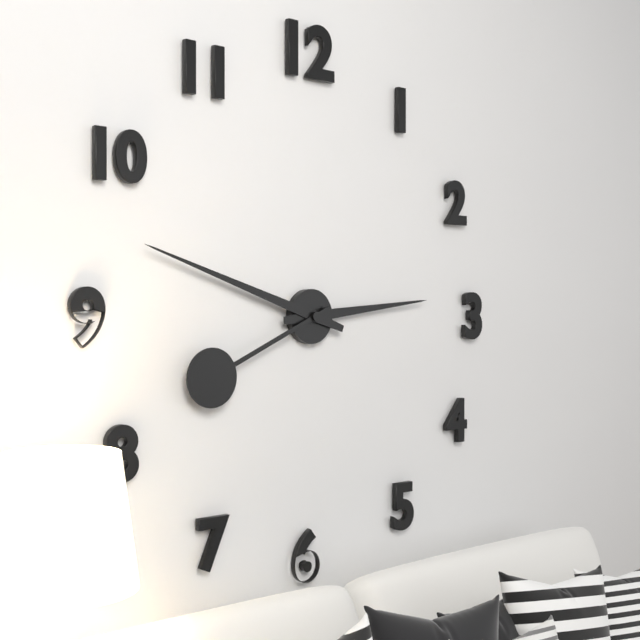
**2:48:41**
